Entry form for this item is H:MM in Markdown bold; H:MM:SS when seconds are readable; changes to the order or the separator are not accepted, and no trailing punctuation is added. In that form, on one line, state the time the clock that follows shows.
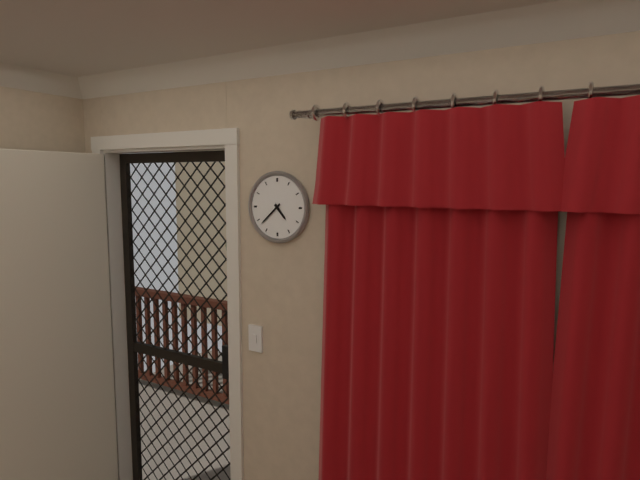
**4:38**
